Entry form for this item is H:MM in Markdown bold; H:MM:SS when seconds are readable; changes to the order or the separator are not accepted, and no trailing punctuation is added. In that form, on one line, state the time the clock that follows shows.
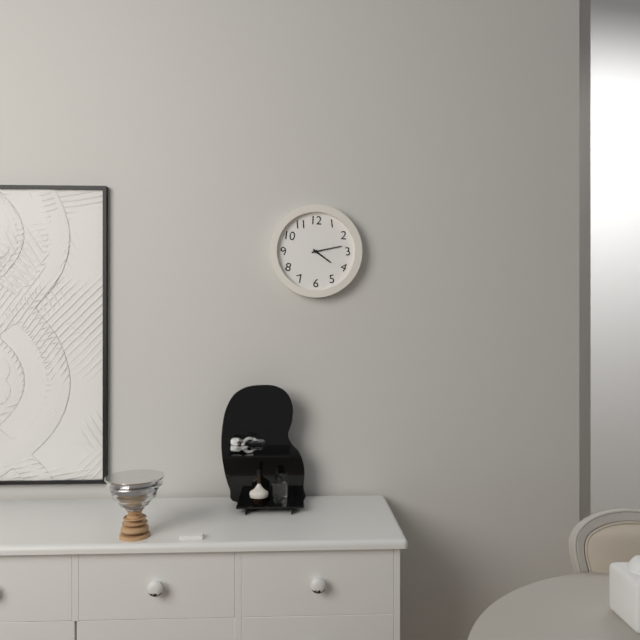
**4:13**
